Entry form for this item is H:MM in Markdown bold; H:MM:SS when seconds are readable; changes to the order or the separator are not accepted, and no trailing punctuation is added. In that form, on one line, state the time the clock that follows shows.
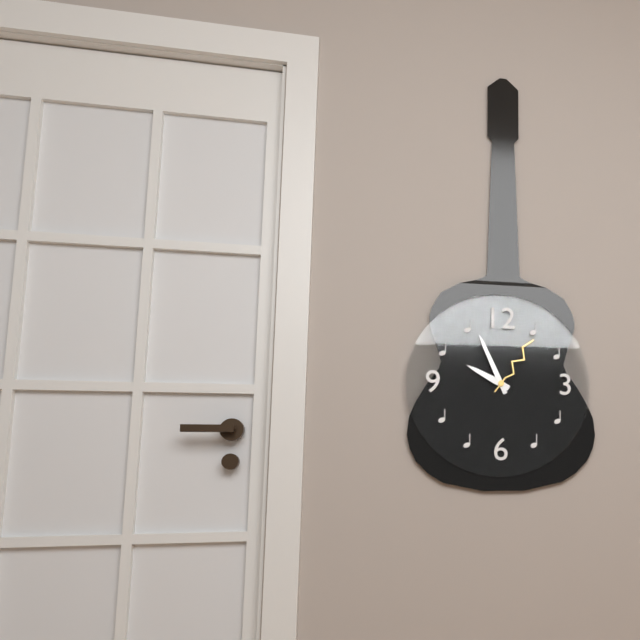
**9:56:06**
